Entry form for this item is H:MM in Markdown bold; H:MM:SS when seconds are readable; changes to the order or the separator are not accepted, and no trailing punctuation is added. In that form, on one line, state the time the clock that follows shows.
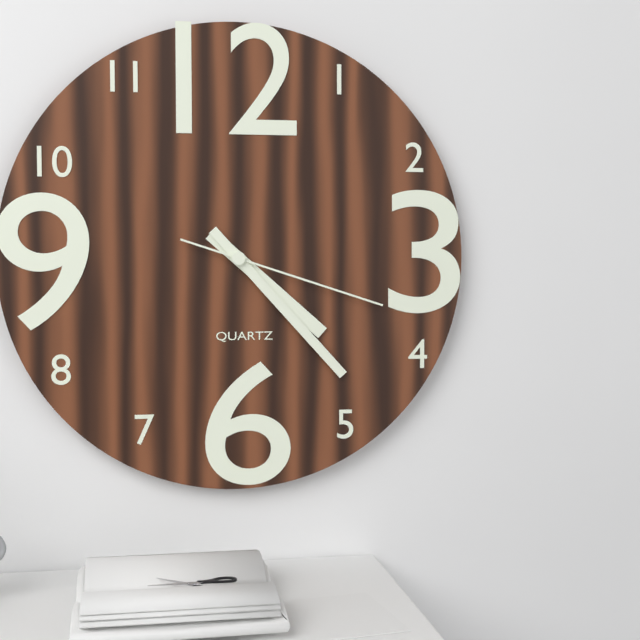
**4:23:18**
